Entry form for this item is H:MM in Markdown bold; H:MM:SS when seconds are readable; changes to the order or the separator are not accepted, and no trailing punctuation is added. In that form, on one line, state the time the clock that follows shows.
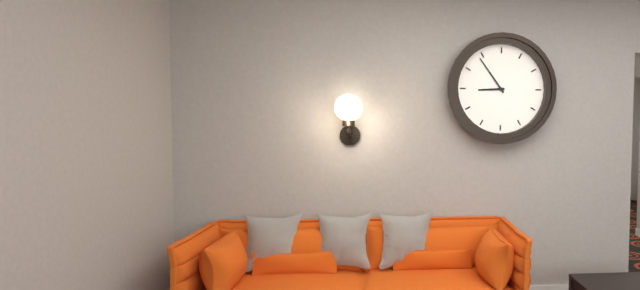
**8:54**
